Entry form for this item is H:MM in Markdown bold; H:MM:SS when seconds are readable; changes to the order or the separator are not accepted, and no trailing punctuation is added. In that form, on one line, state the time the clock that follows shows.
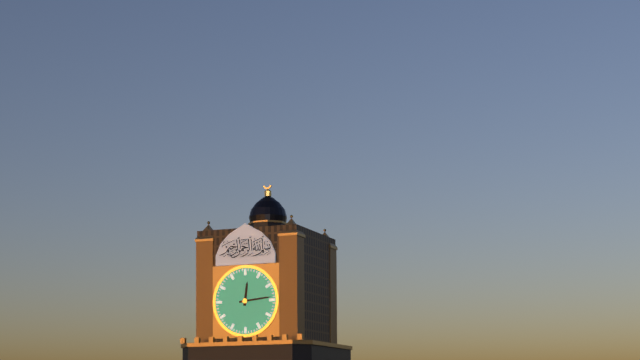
**12:14**
